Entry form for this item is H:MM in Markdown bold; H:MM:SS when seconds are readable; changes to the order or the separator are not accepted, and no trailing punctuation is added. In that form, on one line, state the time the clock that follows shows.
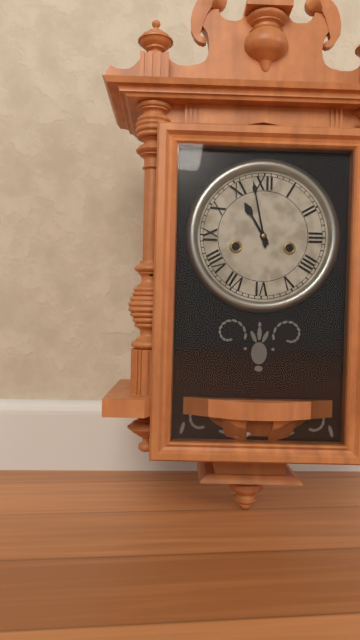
**10:58**
